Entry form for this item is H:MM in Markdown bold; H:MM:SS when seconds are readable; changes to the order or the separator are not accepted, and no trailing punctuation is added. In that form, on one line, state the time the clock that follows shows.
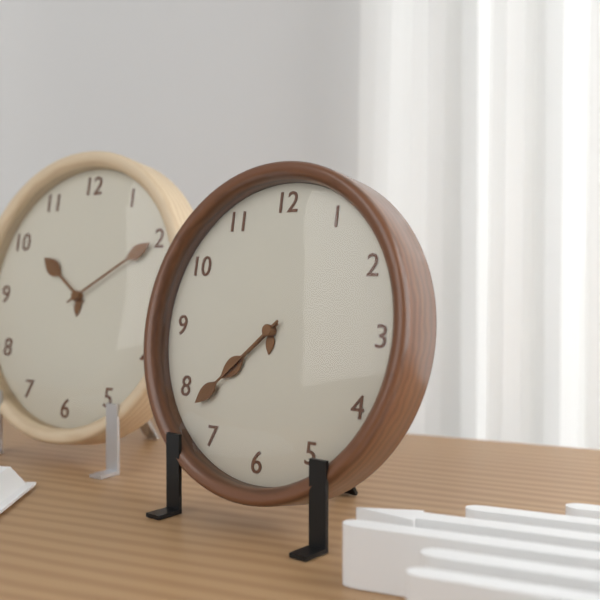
**7:38**
